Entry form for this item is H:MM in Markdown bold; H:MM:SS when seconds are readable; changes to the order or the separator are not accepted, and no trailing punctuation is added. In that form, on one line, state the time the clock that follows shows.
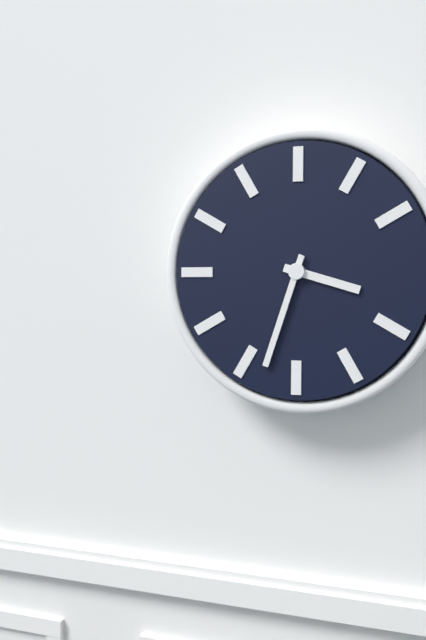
**3:33**
